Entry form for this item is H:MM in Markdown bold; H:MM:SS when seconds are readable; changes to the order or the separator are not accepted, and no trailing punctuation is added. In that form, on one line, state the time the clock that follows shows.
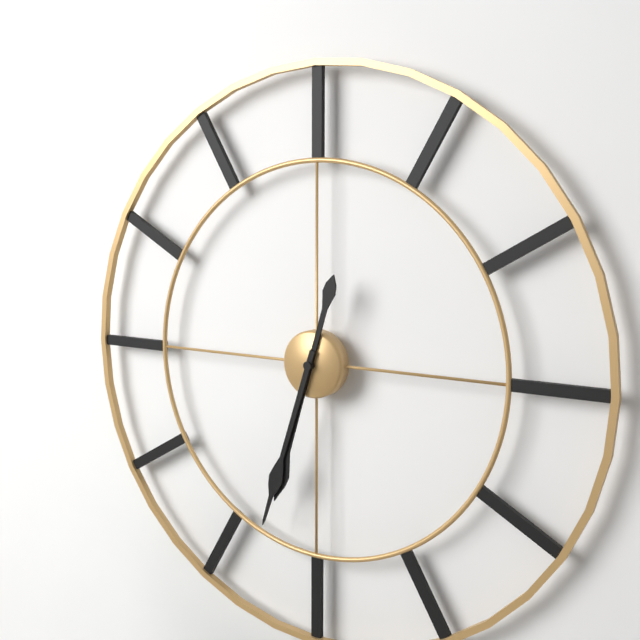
**6:33**
